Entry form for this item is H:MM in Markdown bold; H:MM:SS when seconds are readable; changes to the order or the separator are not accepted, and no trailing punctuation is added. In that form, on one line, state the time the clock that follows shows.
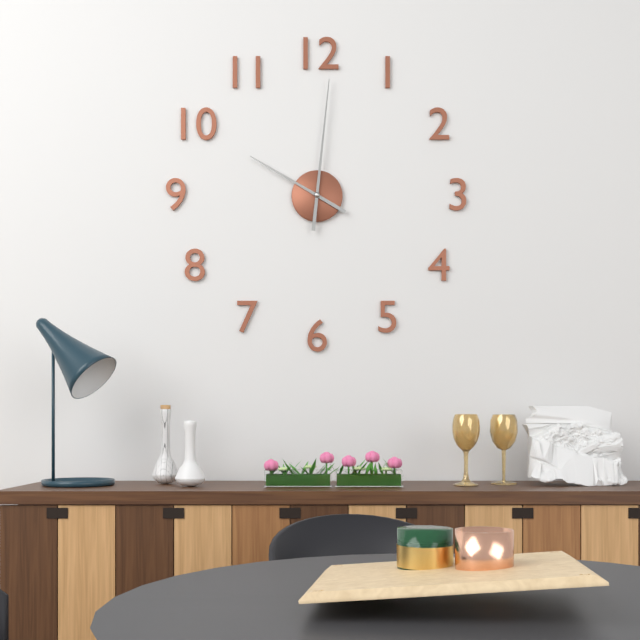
**10:01**
